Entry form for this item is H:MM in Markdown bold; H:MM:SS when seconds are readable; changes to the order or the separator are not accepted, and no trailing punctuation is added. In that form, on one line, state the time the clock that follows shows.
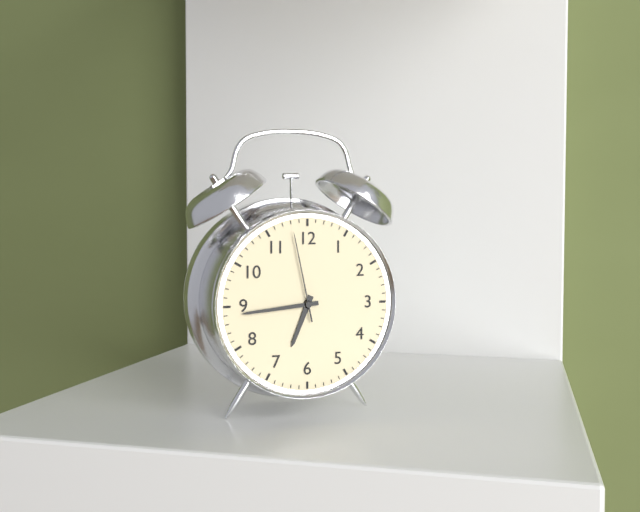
**6:44:58**
